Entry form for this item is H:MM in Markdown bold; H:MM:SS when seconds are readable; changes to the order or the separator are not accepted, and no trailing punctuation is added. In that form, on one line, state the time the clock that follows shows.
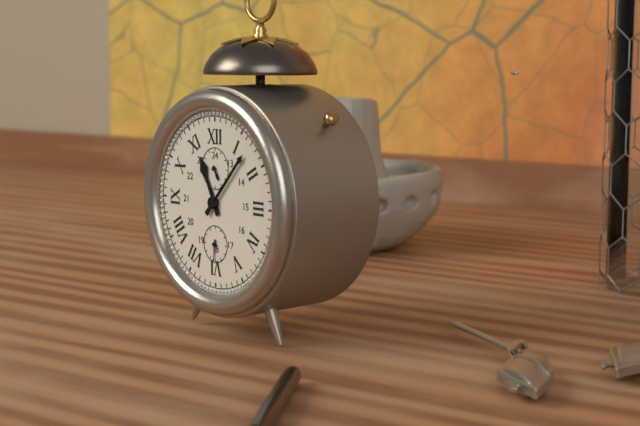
**11:07:31**
